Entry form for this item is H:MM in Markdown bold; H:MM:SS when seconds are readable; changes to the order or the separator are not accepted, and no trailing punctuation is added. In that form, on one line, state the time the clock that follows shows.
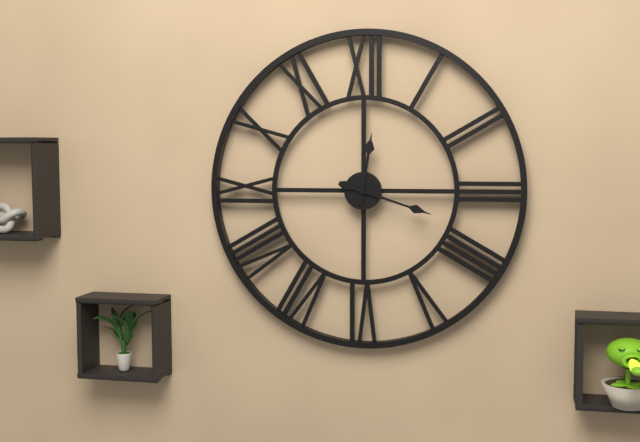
**12:18**
